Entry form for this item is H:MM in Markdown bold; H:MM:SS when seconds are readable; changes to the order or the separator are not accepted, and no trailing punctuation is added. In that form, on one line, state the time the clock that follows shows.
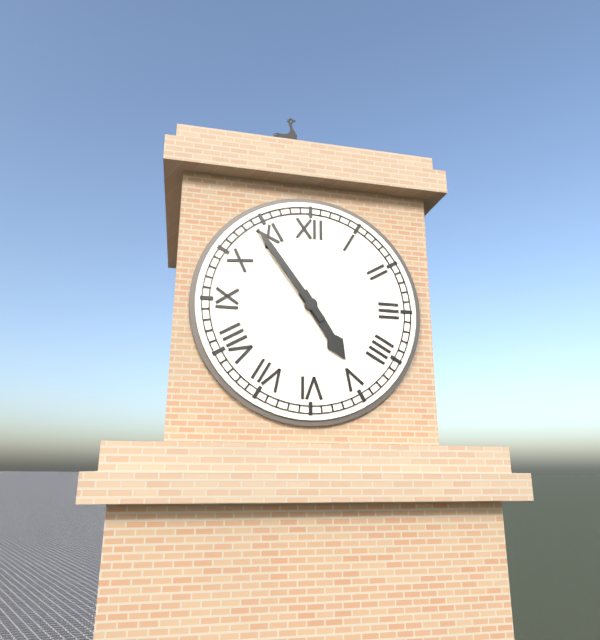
**4:54**
